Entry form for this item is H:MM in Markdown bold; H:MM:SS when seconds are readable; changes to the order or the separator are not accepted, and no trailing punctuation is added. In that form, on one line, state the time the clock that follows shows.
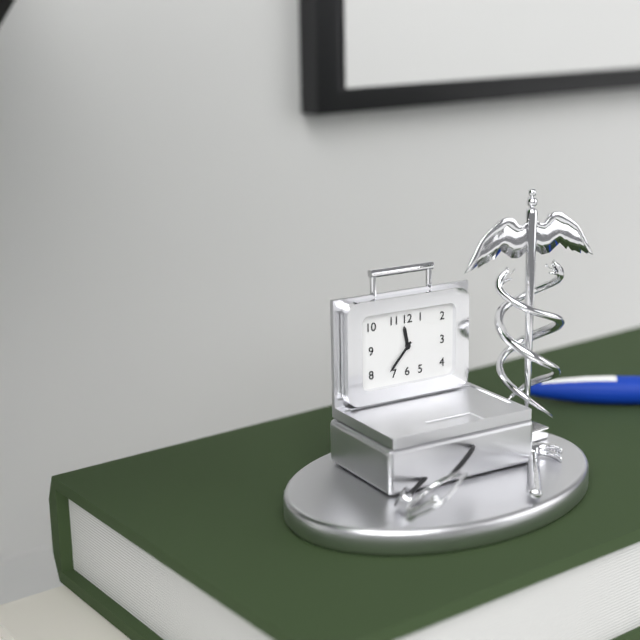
**11:37**
